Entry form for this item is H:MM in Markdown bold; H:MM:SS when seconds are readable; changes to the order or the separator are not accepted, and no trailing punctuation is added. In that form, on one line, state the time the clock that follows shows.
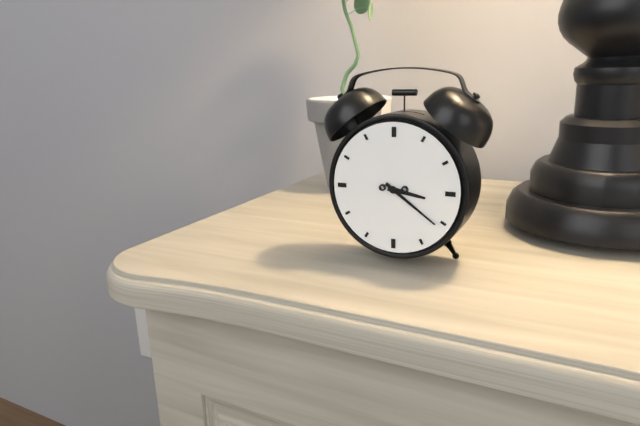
**3:21**
